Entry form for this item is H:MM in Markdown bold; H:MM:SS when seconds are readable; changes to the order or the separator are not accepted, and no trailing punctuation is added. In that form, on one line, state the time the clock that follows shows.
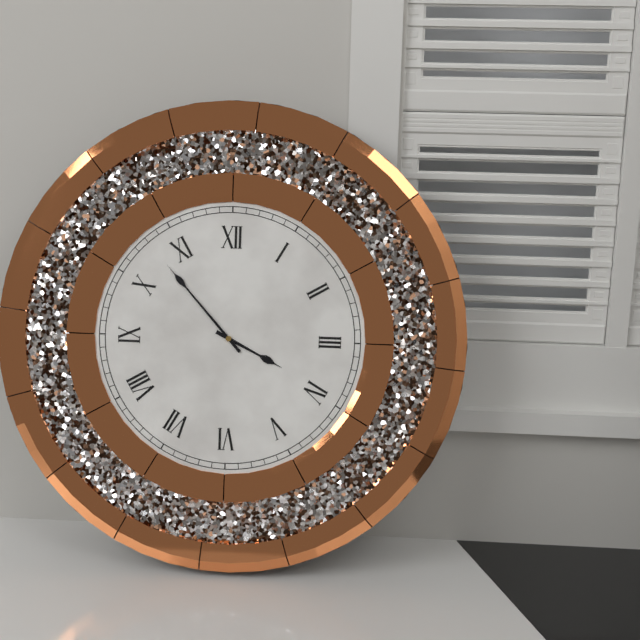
**3:53**
